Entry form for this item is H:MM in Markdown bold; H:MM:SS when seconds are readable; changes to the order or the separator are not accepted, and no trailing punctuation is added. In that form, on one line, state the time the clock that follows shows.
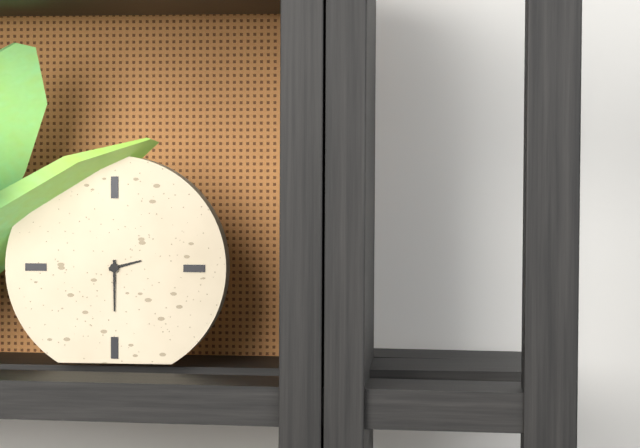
**2:30**
